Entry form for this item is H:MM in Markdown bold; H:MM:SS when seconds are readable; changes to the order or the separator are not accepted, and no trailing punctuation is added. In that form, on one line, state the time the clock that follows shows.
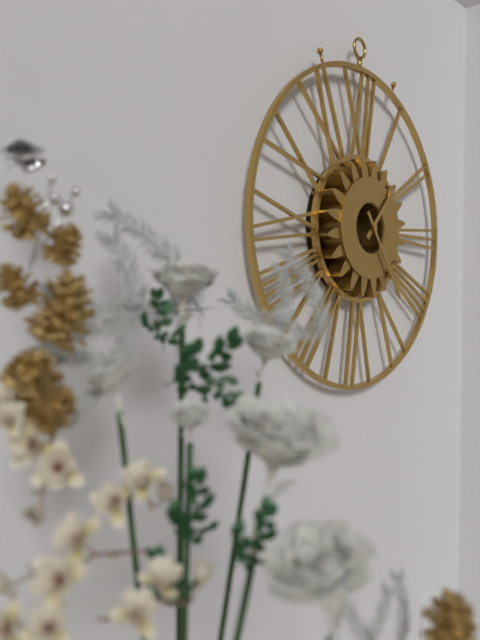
**1:24**
